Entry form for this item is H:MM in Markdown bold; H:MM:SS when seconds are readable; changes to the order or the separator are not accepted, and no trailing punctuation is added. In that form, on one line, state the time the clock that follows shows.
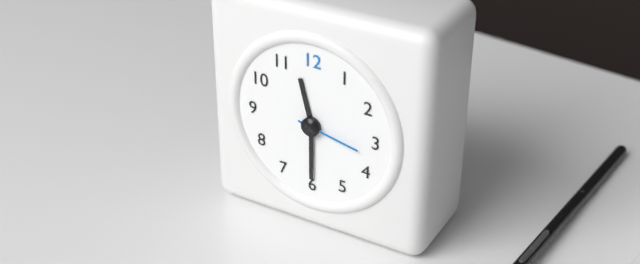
**11:30:17**
